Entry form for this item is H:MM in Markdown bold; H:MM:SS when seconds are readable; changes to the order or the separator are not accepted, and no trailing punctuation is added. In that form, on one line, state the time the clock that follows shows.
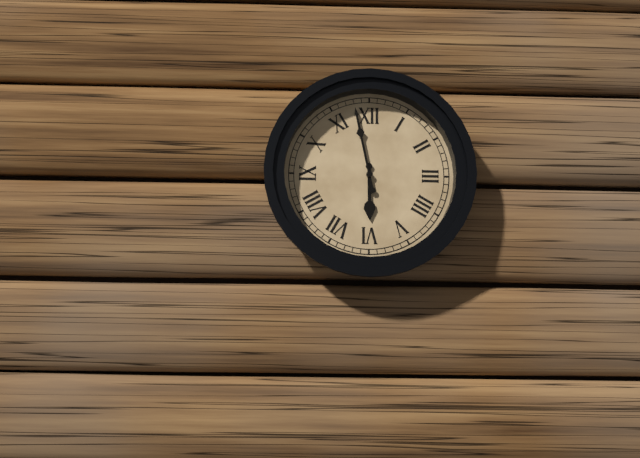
**5:58**
